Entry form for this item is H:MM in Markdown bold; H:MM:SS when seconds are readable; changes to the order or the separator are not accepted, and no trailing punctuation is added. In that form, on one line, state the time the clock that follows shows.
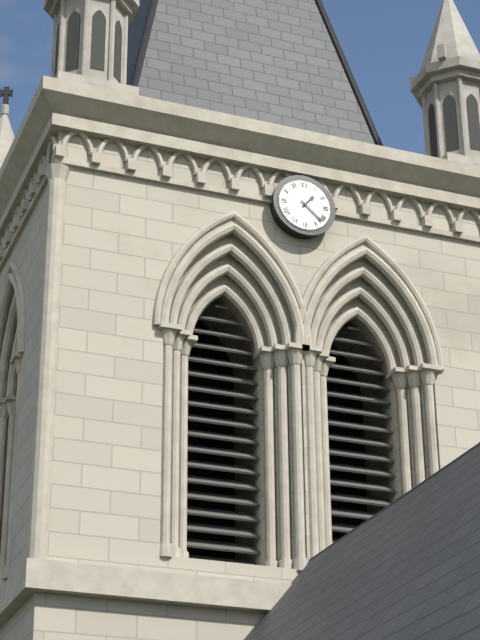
**1:22**
